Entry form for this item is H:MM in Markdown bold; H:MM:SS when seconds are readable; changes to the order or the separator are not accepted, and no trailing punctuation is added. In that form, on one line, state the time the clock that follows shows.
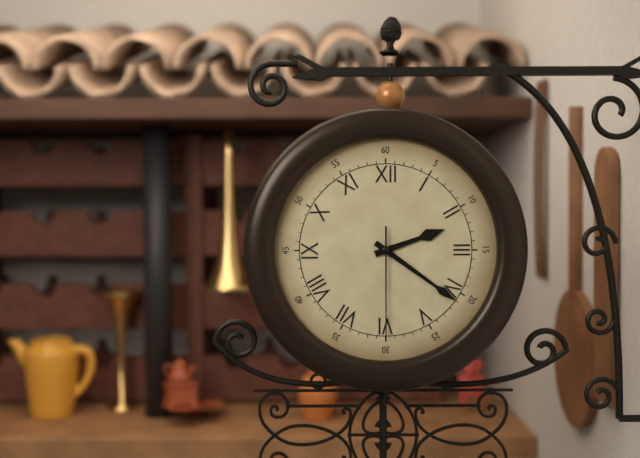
**2:21:30**
